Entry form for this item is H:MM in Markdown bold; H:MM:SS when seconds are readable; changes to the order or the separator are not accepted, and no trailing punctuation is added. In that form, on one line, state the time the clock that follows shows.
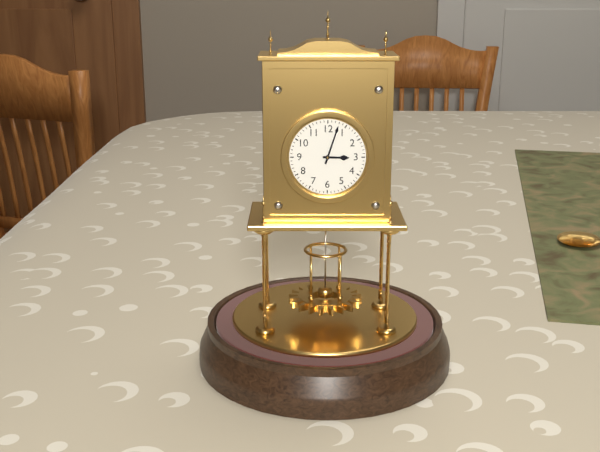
**3:03**
